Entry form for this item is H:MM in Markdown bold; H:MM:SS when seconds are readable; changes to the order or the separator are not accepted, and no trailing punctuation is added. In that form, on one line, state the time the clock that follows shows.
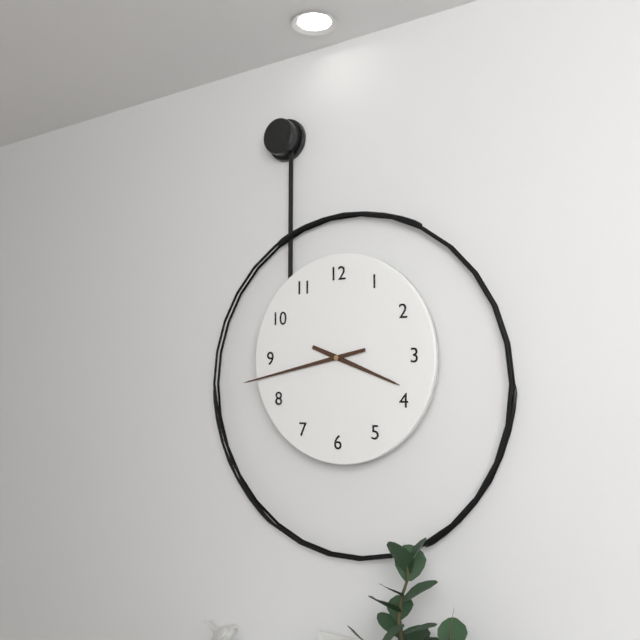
**3:43**
